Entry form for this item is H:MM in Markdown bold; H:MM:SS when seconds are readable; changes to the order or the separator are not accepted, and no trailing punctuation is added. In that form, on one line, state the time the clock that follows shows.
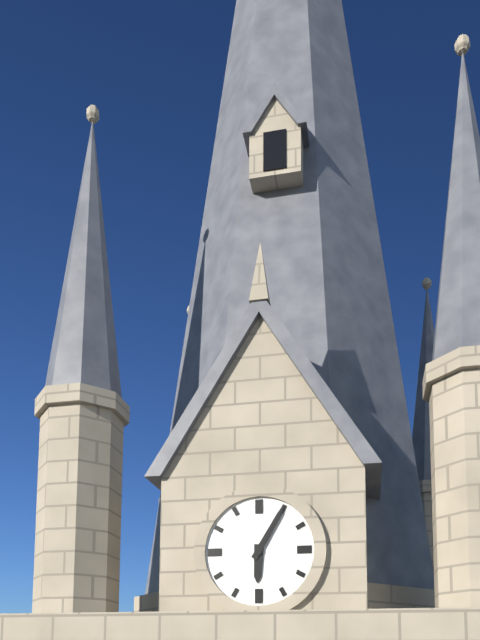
**6:05**
